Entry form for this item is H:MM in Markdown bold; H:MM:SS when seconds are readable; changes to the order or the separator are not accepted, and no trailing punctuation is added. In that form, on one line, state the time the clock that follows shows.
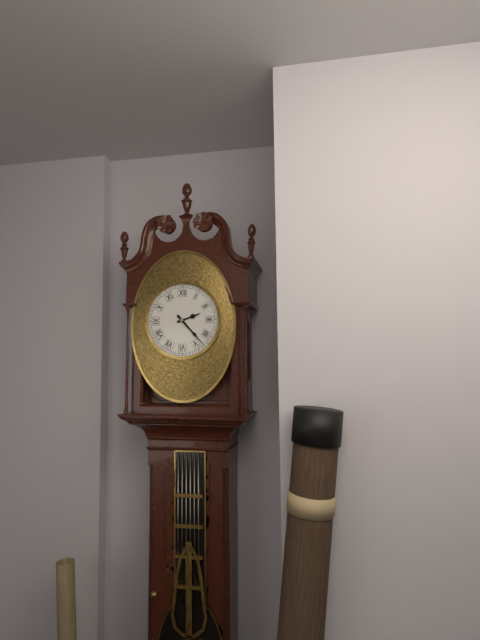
**2:23**
